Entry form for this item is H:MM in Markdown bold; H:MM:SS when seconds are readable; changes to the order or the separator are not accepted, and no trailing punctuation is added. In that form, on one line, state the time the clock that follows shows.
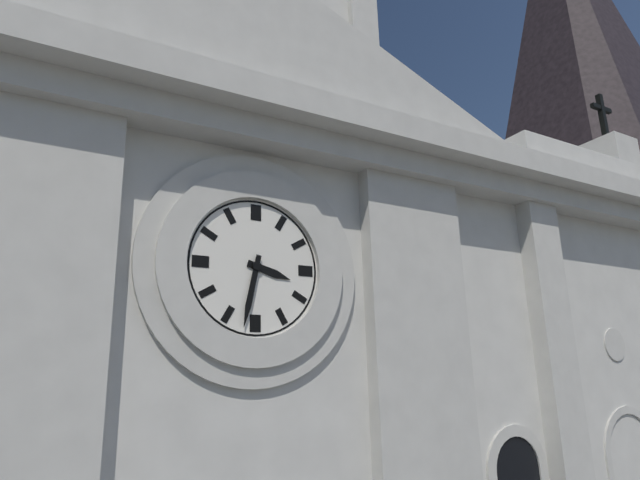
**3:32**
